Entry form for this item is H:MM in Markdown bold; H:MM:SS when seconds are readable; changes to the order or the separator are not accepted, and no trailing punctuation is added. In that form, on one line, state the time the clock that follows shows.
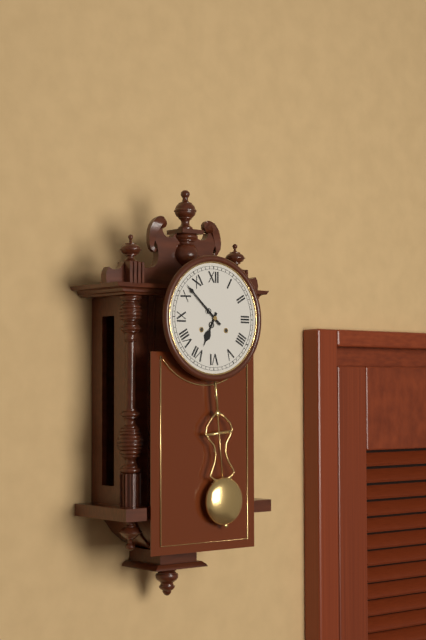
**6:52**
